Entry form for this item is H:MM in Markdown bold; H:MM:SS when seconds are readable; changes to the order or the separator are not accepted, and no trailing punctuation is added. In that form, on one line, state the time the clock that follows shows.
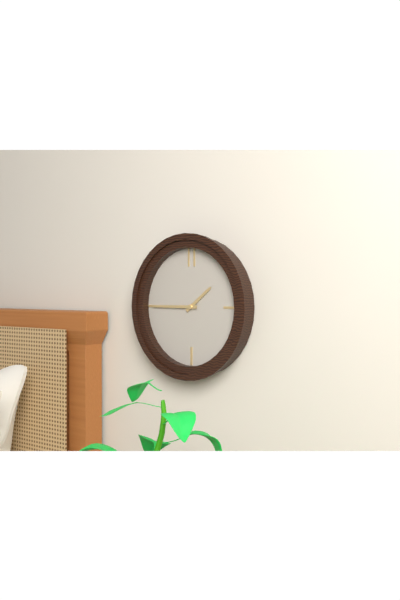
**1:45**
